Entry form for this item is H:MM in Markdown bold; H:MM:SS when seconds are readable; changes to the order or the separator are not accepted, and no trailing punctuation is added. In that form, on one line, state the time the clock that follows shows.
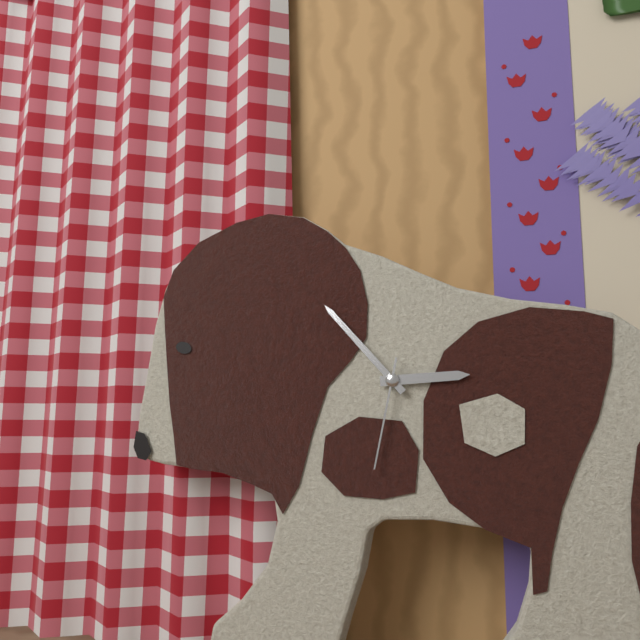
**2:53:32**
